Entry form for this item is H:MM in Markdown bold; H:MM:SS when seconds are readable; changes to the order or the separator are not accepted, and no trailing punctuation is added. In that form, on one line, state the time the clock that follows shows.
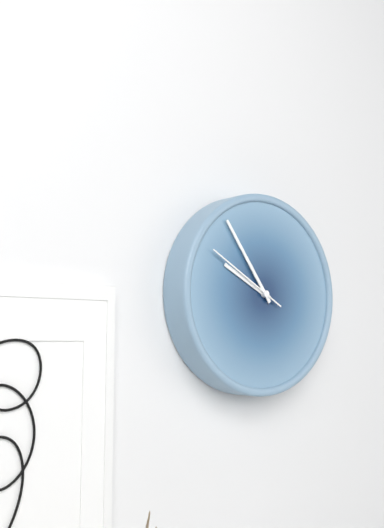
**9:54:50**
